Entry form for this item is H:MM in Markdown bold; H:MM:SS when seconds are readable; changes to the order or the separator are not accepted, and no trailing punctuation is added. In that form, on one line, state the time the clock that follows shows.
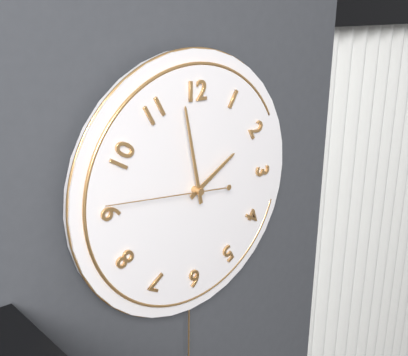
**1:58:46**
